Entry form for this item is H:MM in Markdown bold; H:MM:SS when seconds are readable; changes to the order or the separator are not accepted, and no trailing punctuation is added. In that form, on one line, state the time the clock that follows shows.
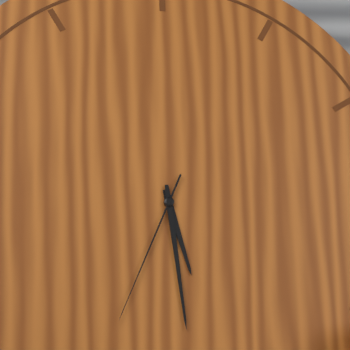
**5:29:34**
